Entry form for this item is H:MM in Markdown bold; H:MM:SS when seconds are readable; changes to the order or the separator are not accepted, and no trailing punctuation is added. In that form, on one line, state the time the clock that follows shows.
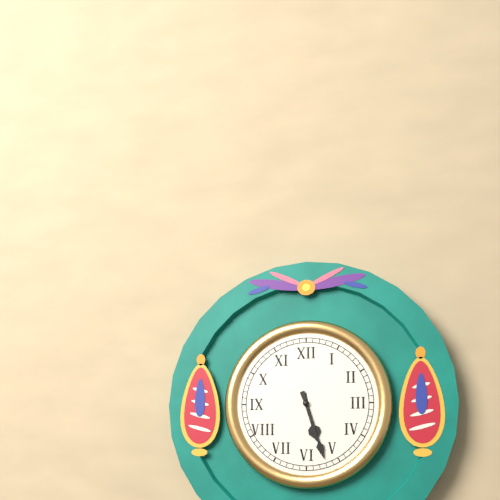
**5:27**
